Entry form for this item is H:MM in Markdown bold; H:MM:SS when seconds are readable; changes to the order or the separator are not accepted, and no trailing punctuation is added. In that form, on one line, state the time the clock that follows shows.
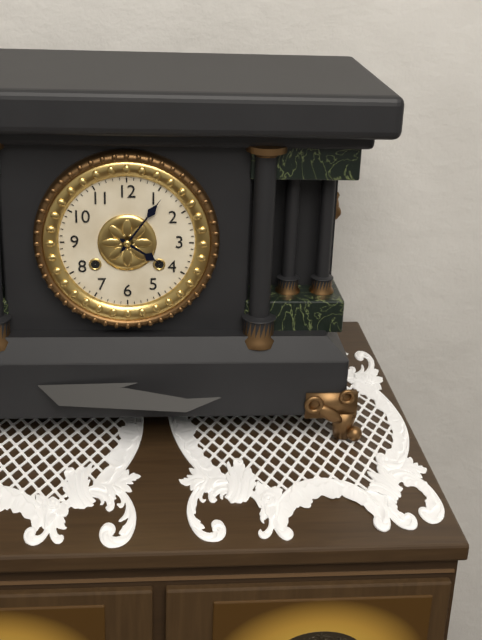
**4:06**
